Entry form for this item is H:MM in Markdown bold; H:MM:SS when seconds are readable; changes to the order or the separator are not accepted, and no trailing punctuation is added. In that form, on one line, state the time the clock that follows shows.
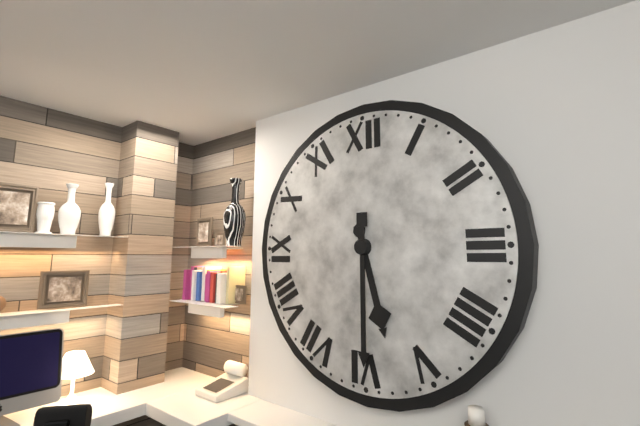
**5:30**
